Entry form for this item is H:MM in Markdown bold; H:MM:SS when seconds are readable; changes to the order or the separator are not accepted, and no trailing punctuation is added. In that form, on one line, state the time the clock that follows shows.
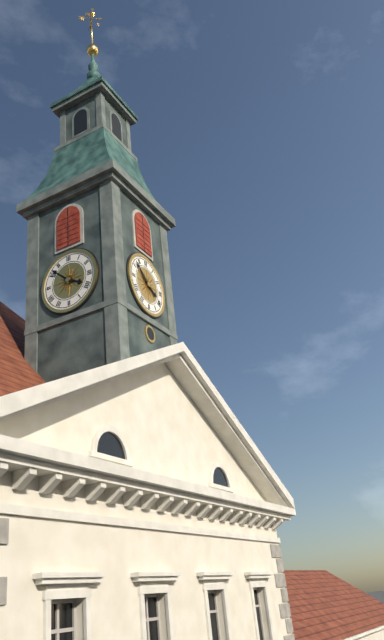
**3:52**
